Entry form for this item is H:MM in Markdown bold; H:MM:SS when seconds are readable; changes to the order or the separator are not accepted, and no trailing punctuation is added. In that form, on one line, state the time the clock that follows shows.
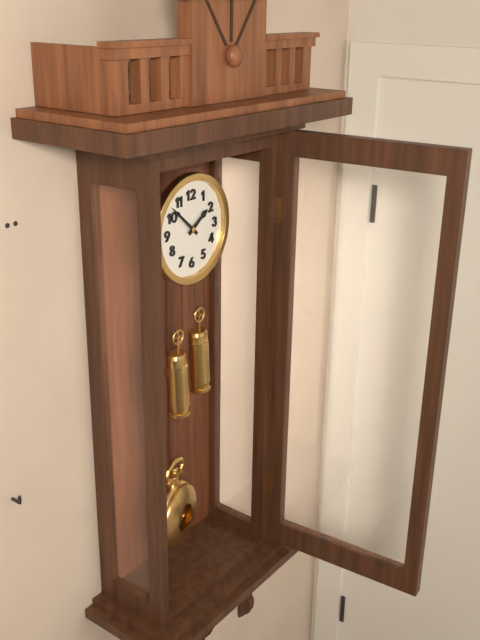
**1:52**
